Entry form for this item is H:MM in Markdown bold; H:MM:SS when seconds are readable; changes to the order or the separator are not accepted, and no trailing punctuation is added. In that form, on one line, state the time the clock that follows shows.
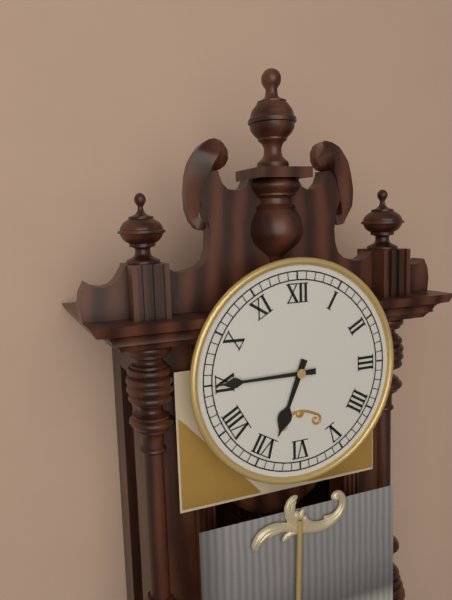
**6:45**
